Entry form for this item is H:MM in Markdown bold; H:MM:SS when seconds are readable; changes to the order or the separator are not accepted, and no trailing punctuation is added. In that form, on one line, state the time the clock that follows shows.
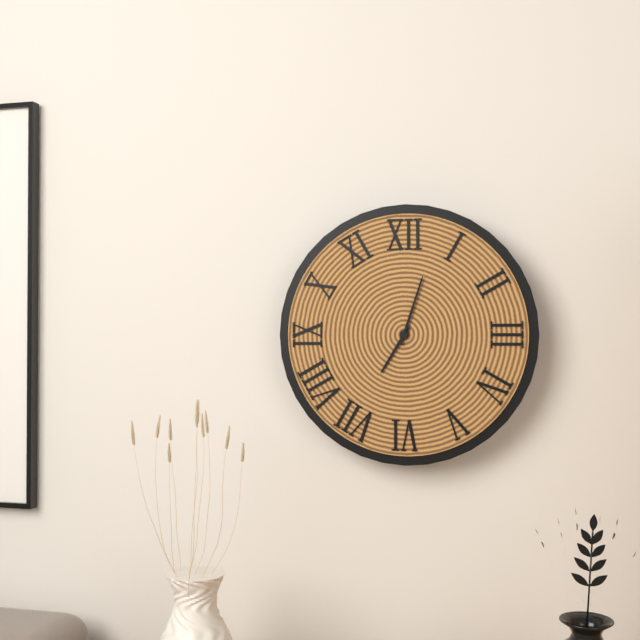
**7:03**
